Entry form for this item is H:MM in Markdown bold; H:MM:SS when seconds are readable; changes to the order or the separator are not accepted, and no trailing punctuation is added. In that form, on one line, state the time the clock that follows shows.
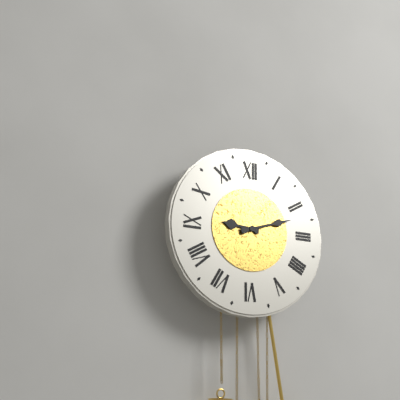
**9:12**
